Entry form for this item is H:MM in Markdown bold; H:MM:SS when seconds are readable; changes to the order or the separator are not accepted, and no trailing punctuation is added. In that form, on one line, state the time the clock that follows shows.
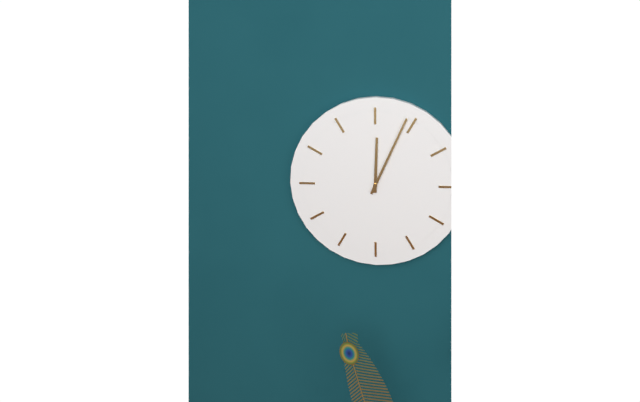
**12:04**
